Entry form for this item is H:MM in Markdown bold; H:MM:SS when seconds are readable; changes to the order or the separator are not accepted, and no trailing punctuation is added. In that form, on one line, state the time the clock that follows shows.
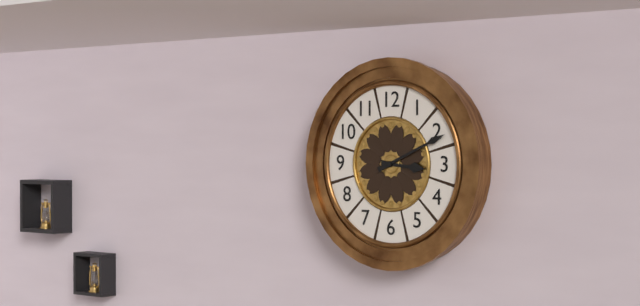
**3:11**
